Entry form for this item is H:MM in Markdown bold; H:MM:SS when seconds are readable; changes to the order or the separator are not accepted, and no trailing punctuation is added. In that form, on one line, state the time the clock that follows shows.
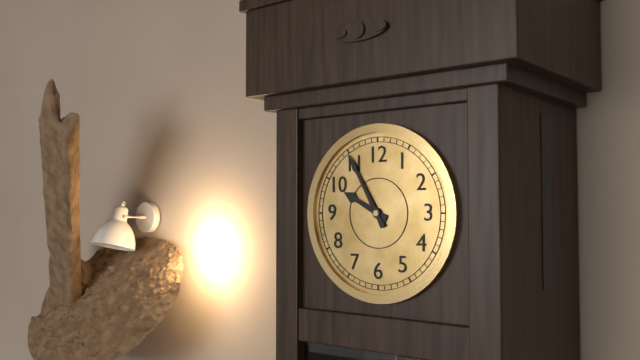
**9:55**
